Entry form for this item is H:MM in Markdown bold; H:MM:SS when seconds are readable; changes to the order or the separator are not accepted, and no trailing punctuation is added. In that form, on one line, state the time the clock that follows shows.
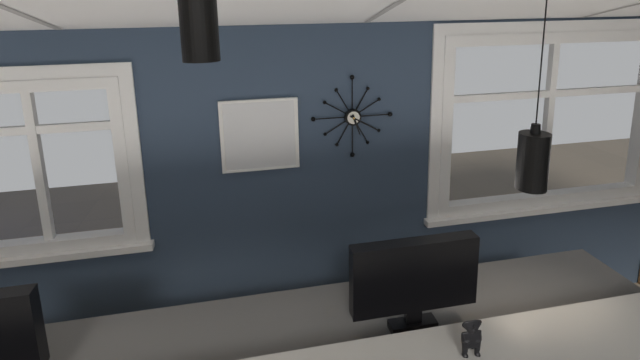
**5:20**
